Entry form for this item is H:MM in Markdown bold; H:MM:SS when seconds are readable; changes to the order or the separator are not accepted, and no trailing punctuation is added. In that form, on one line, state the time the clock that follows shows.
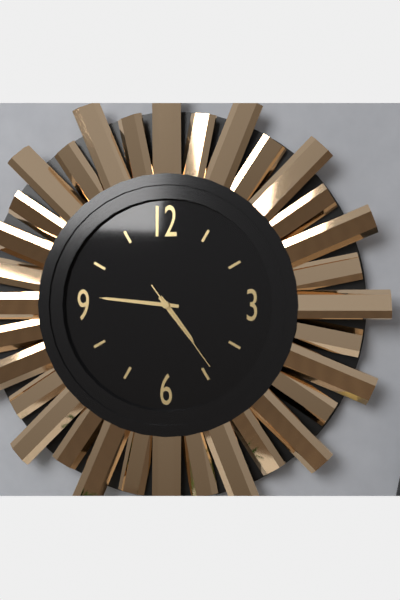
**4:46:24**
